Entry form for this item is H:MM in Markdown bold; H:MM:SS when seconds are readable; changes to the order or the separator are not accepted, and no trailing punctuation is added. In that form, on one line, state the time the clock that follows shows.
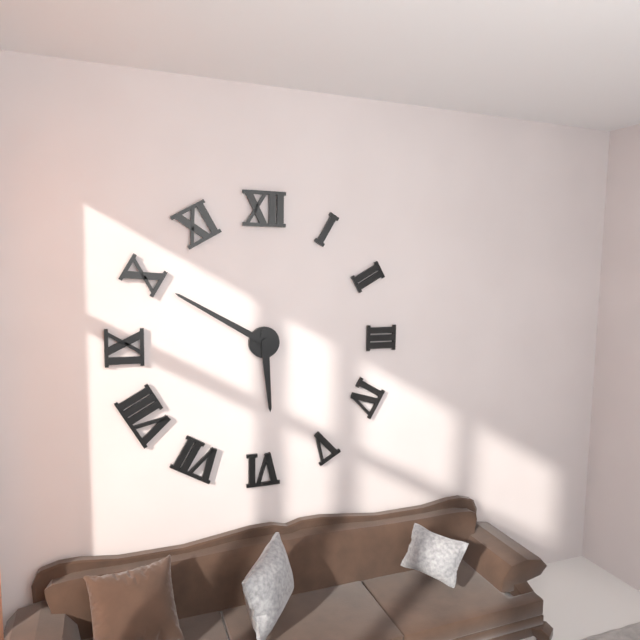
**5:50**
